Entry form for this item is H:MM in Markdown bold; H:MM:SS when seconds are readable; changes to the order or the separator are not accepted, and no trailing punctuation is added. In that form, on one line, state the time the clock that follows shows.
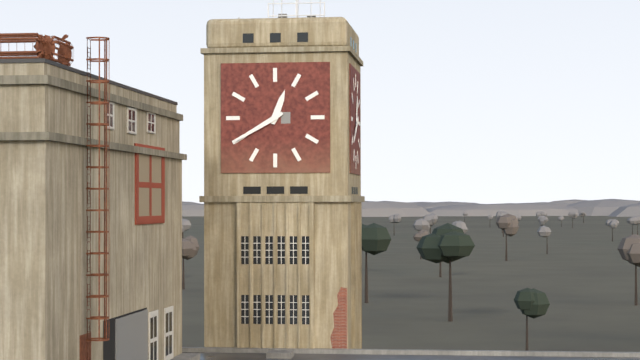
**12:40**
